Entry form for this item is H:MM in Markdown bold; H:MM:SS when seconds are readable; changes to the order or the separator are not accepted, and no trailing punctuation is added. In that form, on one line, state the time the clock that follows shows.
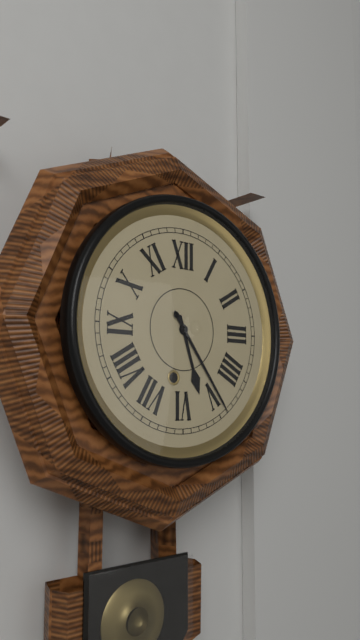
**5:24**
